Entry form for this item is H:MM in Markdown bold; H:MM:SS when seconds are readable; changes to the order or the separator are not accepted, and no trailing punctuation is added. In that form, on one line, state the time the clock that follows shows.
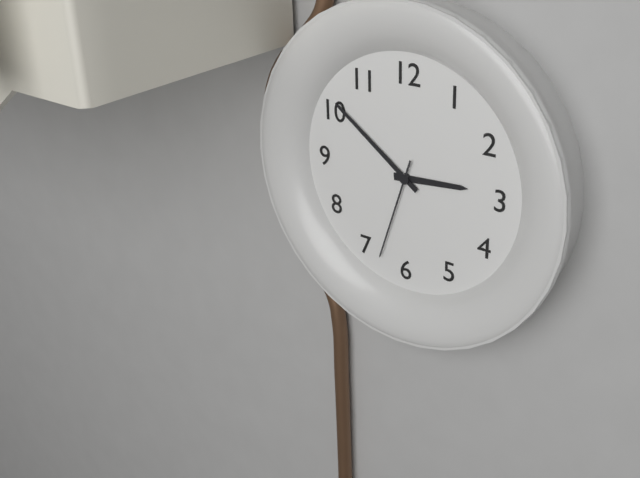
**2:51:33**
